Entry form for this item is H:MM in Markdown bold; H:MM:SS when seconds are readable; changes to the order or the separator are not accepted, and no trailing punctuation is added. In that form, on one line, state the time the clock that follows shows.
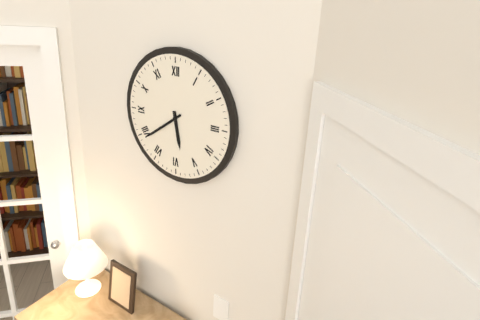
**5:39**
